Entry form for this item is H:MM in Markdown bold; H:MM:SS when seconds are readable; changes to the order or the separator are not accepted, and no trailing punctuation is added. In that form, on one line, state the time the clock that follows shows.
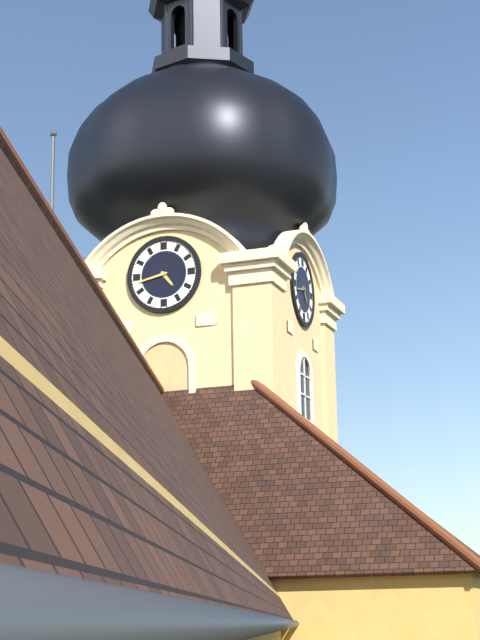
**4:43**
